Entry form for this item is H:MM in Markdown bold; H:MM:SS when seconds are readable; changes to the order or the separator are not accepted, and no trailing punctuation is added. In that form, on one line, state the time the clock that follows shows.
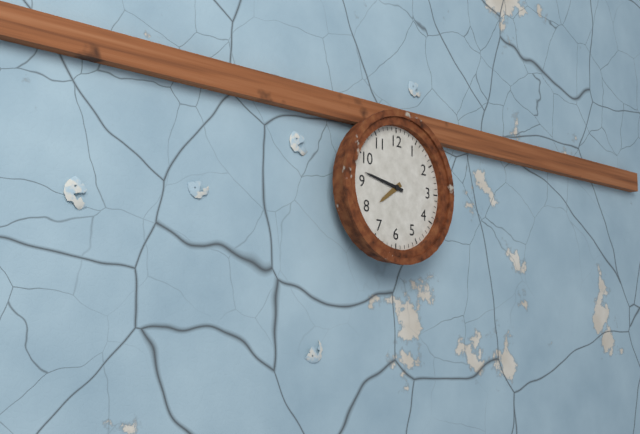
**7:47**
